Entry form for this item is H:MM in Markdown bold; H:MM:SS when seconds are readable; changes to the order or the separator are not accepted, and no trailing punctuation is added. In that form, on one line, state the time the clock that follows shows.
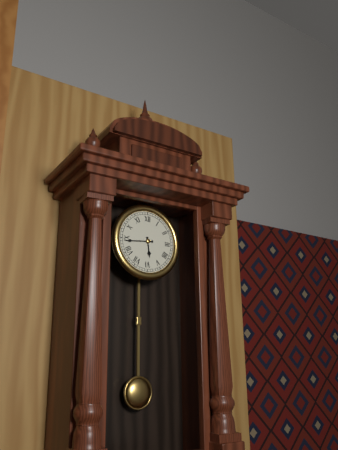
**5:44**
